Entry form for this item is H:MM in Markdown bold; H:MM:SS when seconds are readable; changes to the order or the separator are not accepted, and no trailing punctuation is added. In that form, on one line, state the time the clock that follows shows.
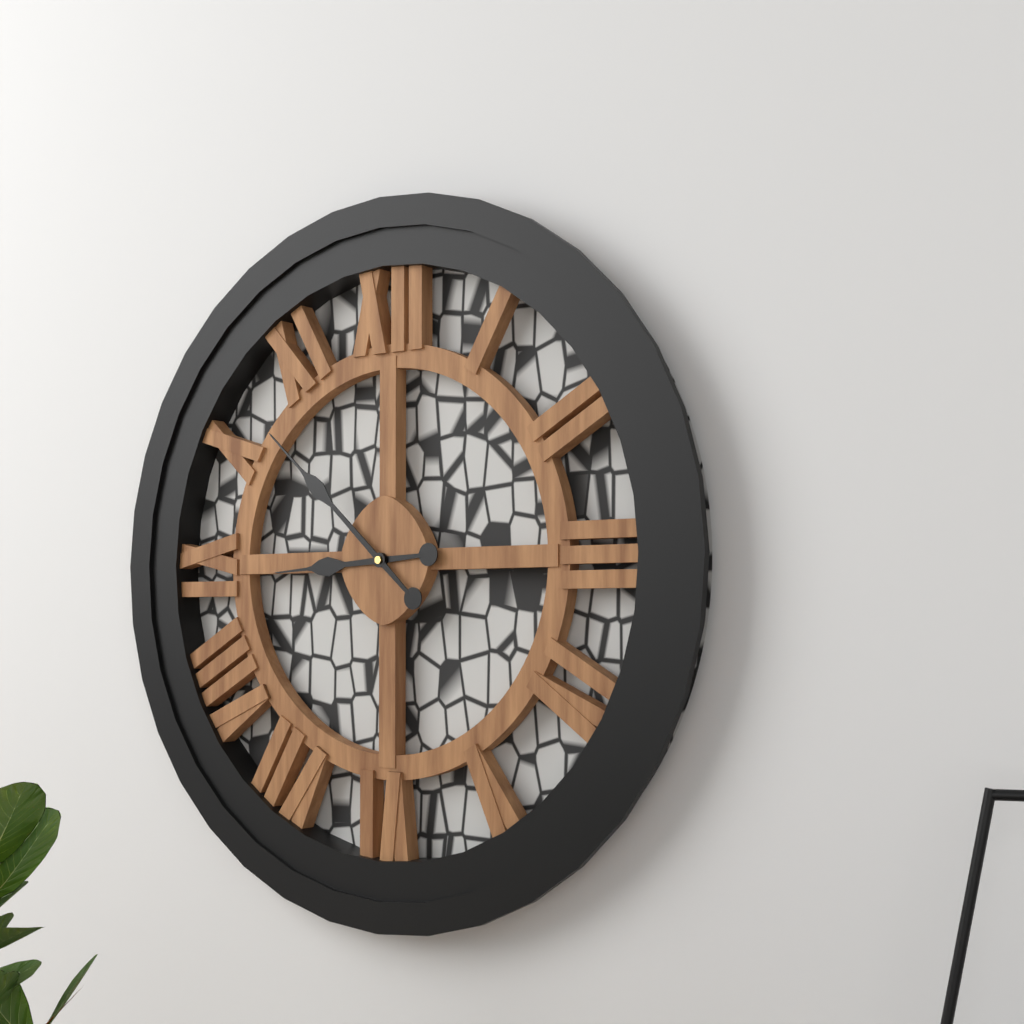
**8:52**
